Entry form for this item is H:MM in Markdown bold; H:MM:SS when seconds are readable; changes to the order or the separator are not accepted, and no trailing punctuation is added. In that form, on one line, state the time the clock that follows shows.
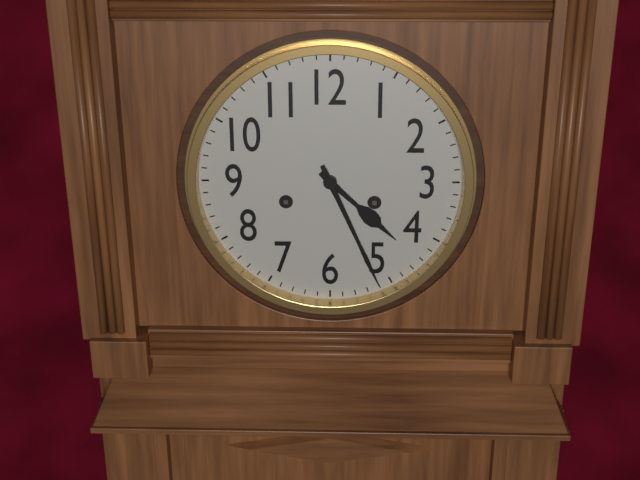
**4:26**
